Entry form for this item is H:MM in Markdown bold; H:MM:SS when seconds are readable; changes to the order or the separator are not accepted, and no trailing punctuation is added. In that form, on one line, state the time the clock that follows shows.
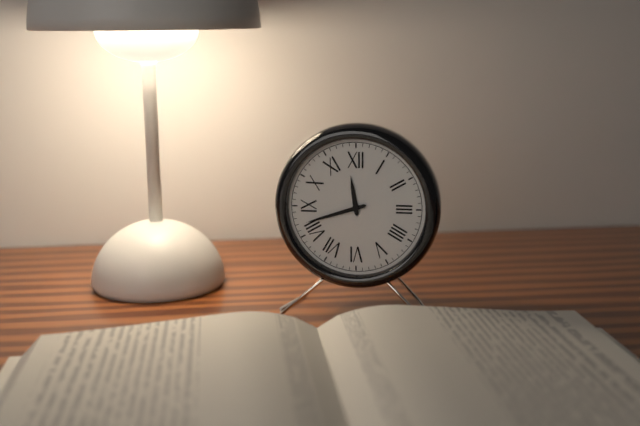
**11:42**
